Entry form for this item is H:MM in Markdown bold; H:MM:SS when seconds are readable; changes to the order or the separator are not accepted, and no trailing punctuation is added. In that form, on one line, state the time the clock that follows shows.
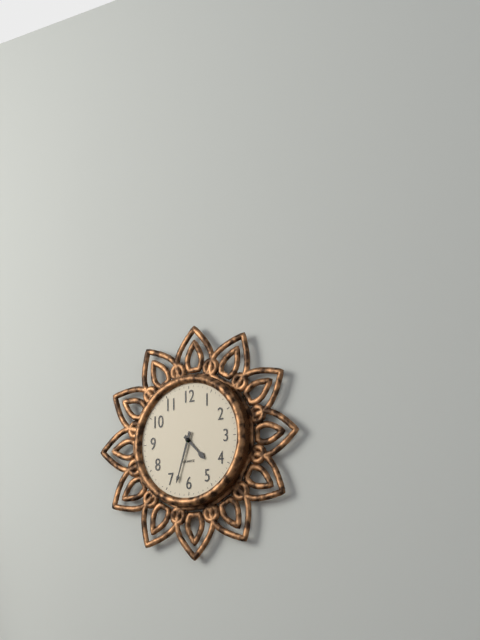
**4:33**
